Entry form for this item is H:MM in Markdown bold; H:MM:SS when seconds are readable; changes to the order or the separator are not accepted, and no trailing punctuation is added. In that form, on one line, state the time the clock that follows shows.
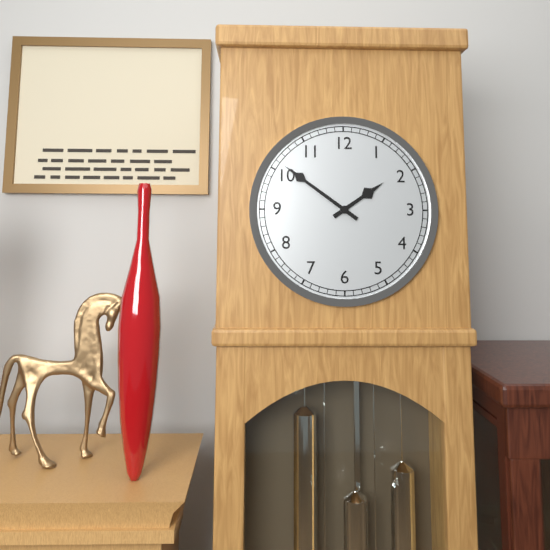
**1:51**
